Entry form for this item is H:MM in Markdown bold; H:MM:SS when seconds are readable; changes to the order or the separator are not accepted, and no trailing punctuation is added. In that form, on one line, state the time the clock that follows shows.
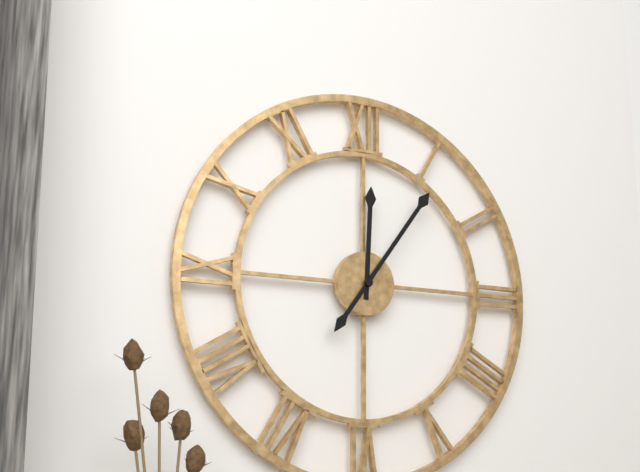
**12:06**
